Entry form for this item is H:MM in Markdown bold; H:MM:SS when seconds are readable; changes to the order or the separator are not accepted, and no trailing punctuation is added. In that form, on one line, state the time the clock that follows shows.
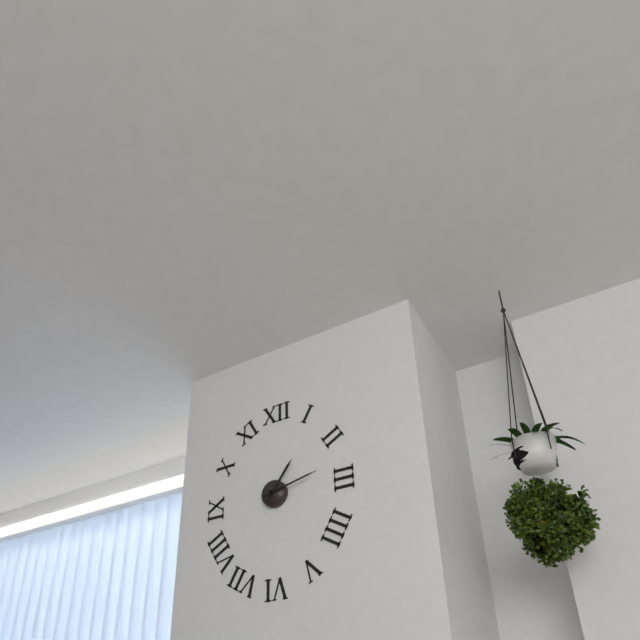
**1:13**
